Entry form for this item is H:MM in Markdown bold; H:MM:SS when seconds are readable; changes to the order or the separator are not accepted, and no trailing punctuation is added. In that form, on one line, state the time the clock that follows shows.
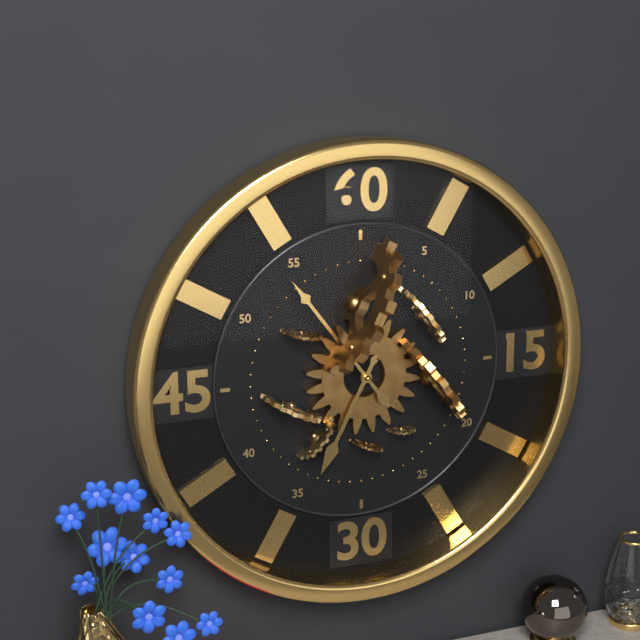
**6:54**
